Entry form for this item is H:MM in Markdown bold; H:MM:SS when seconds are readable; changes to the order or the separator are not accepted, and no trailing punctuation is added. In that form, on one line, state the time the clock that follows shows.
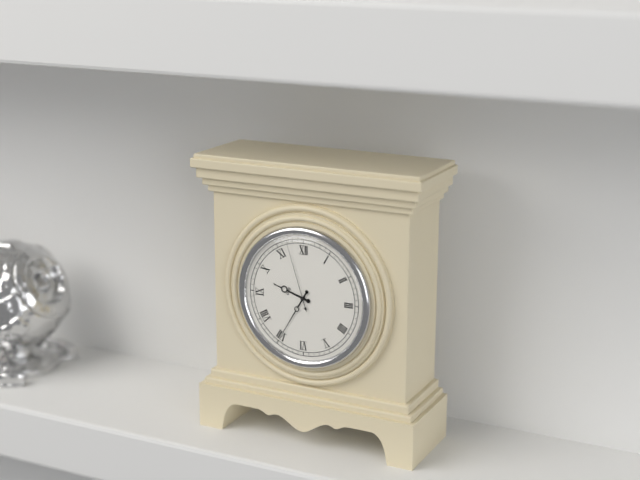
**9:35:57**
